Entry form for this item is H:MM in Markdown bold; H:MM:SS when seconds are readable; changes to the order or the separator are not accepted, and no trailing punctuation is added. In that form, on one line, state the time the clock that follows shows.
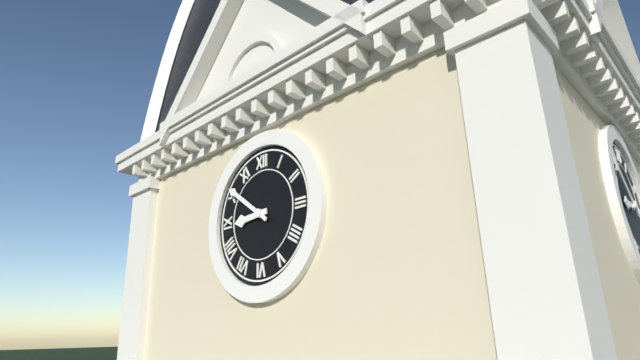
**8:51**
